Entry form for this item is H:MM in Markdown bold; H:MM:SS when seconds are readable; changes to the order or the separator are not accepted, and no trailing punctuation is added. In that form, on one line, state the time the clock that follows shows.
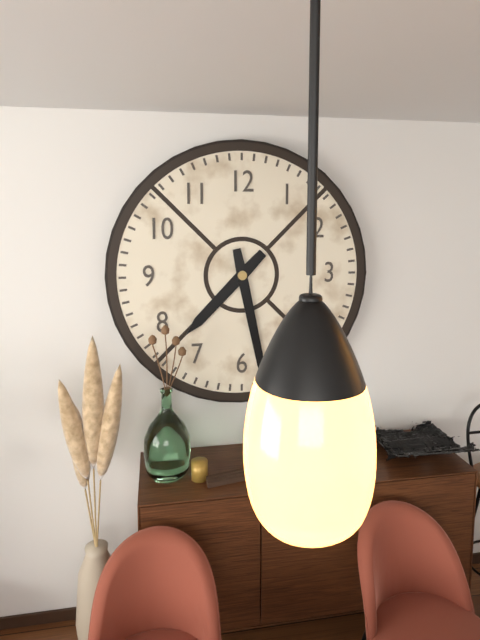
**7:28**
